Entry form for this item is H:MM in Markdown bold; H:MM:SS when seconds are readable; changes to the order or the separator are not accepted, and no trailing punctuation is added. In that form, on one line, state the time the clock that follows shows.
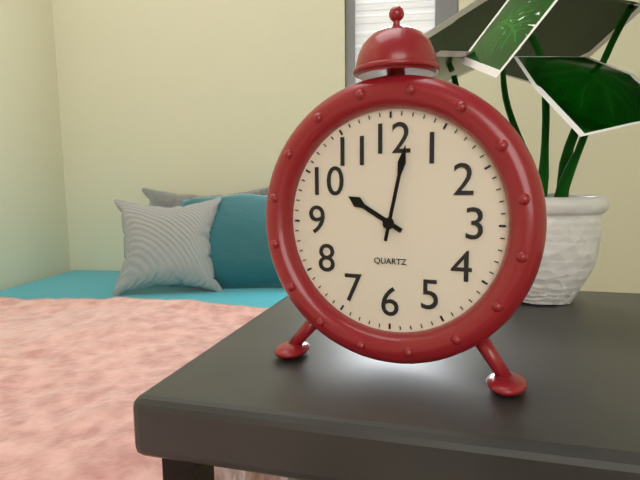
**10:02**
